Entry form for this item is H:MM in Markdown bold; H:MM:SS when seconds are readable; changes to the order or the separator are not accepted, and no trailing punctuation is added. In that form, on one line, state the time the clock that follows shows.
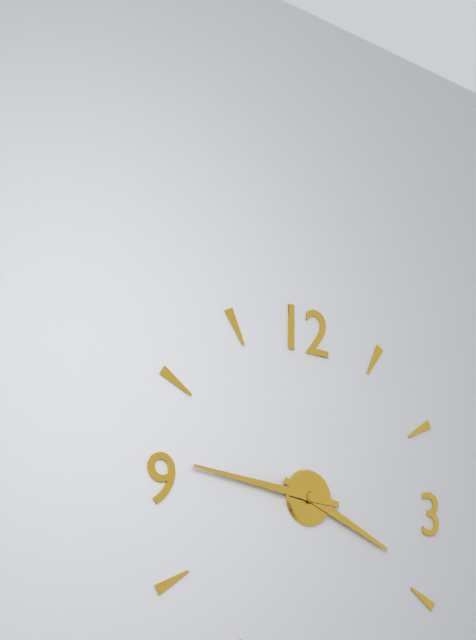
**3:46**
